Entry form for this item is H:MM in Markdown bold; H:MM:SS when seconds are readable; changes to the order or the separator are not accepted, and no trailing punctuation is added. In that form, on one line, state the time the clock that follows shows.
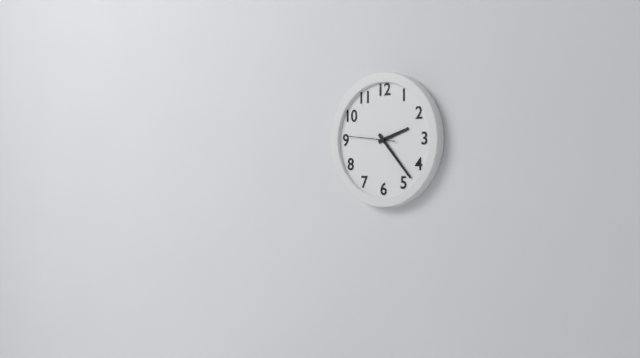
**2:23**
